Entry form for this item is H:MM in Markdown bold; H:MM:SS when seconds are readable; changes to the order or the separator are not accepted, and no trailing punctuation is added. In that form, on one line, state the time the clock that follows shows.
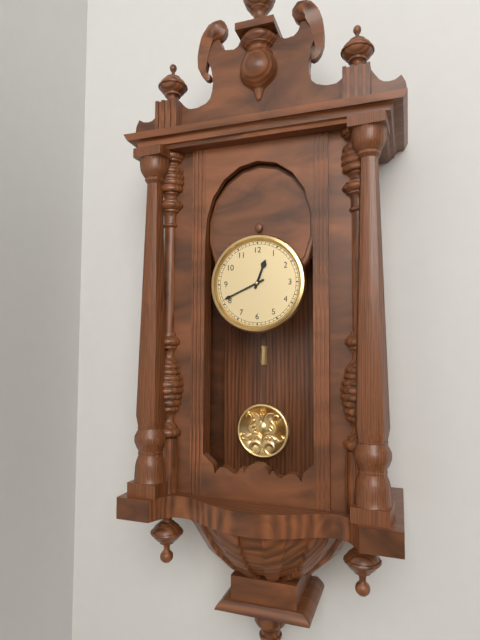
**12:41**
